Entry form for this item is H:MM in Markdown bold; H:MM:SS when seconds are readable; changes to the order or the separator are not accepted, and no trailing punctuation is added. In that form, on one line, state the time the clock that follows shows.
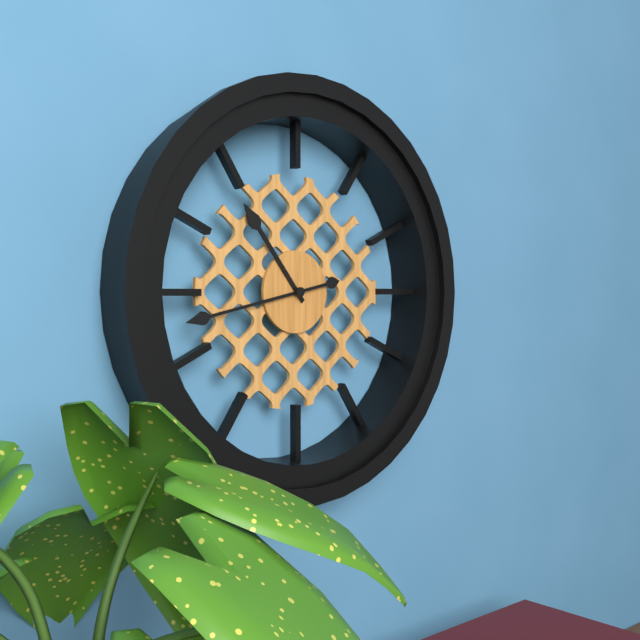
**10:43**
